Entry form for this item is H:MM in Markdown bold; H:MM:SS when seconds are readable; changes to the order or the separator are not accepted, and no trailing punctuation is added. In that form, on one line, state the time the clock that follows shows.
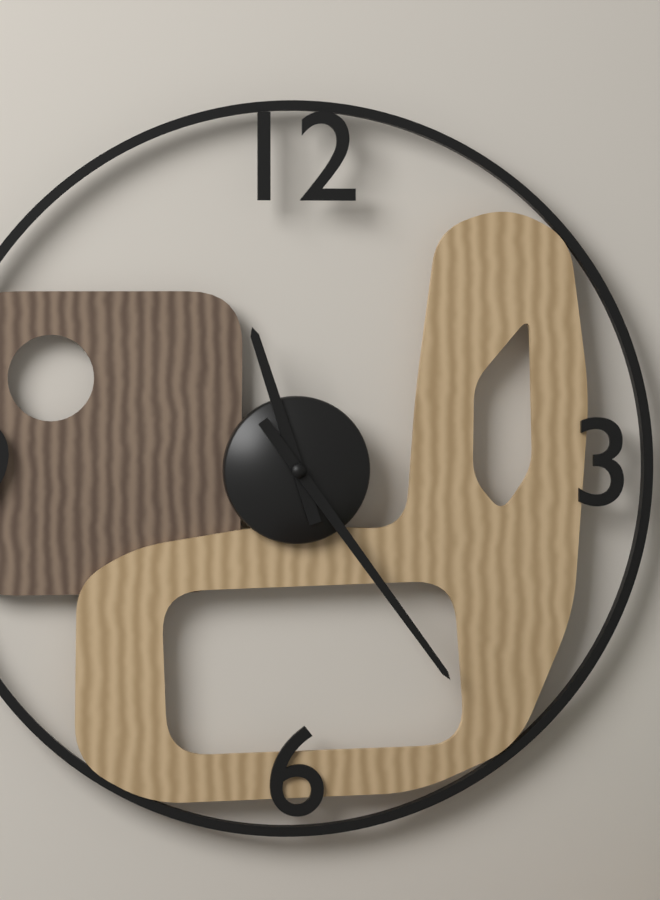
**11:24**
